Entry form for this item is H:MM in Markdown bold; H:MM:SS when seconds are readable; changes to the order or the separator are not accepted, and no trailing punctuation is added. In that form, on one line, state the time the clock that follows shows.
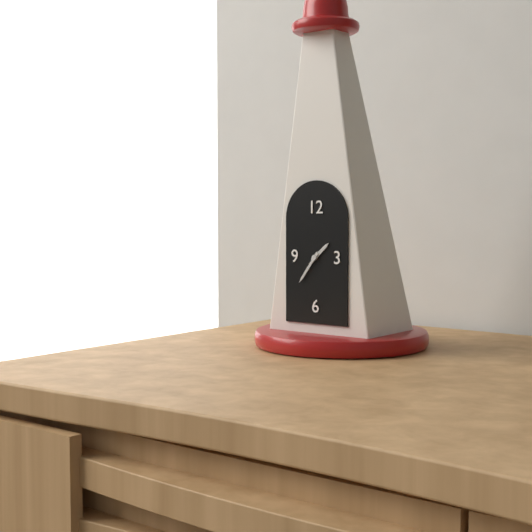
**1:36**
